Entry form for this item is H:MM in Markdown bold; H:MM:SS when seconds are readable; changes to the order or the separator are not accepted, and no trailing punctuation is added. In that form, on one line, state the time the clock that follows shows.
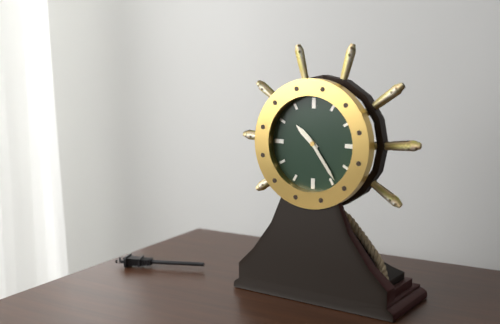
**10:24**
